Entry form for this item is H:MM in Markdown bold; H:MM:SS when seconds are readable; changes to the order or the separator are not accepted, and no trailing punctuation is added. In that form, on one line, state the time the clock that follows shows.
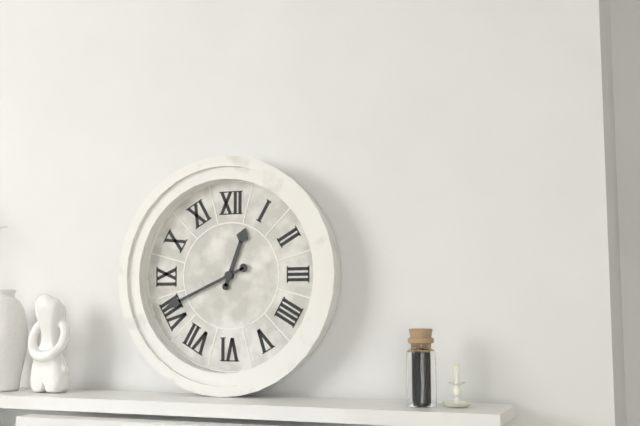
**12:41**
